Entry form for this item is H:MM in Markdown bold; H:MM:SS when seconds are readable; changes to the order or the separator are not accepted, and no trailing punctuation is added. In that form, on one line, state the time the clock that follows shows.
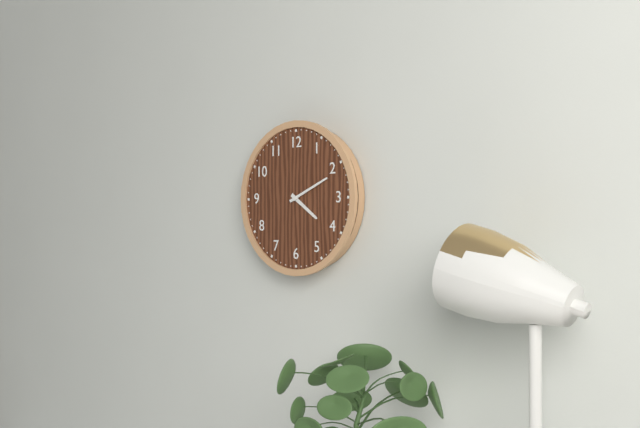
**4:11**
